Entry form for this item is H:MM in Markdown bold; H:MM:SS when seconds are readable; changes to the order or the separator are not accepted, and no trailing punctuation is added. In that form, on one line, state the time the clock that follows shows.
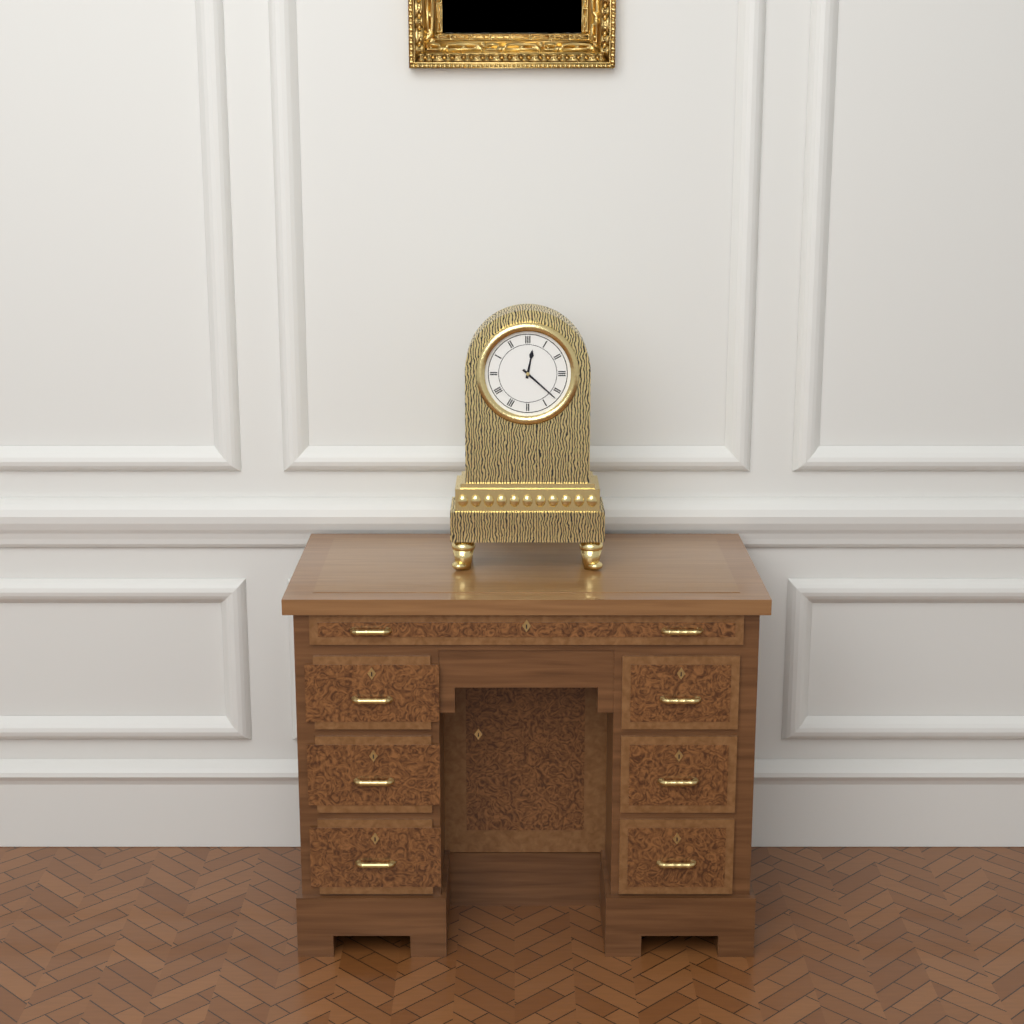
**12:22**
